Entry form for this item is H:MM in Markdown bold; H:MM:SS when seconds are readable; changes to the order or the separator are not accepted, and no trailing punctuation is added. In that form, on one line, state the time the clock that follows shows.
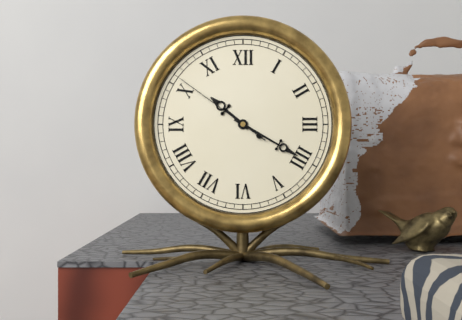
**10:20:51**
